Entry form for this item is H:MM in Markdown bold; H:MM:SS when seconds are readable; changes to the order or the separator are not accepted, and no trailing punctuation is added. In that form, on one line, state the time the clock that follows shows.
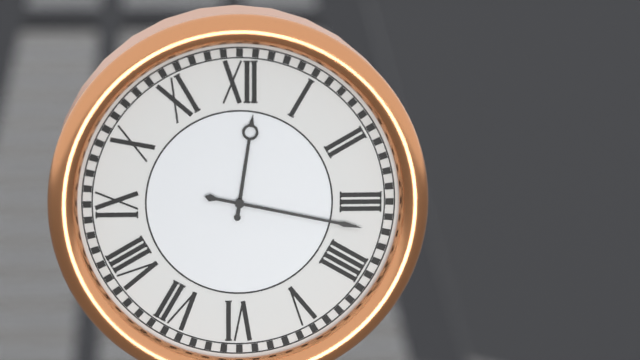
**12:17**
